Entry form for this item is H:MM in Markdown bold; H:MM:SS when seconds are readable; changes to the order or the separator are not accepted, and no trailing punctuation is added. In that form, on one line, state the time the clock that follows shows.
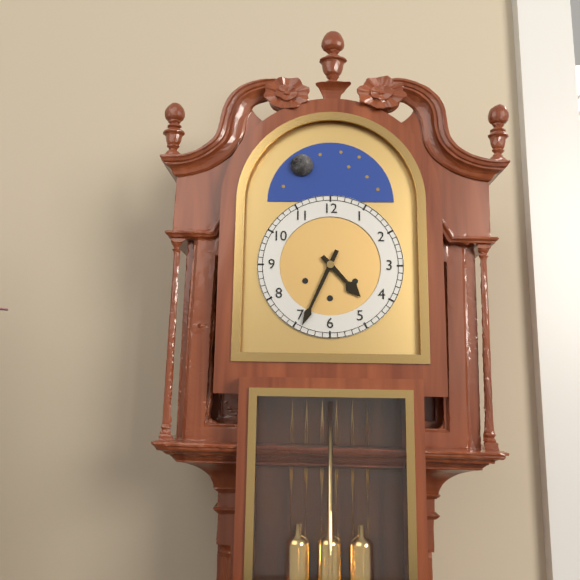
**4:34**
